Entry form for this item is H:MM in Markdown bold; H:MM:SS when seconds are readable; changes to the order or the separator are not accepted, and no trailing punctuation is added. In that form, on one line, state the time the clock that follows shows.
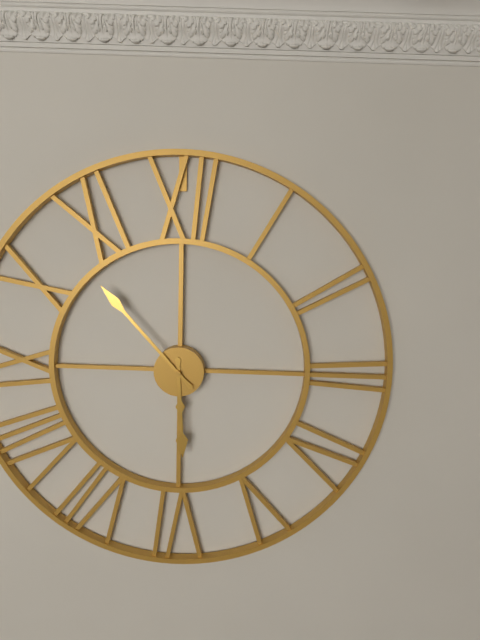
**5:53**
